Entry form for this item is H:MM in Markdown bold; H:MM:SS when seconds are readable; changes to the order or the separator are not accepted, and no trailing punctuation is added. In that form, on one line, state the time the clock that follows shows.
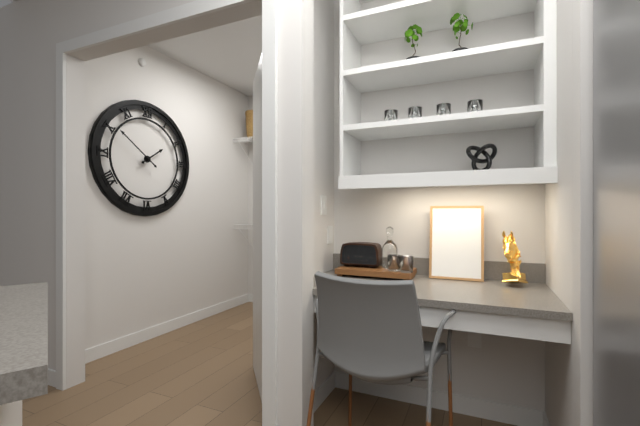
**1:51**
